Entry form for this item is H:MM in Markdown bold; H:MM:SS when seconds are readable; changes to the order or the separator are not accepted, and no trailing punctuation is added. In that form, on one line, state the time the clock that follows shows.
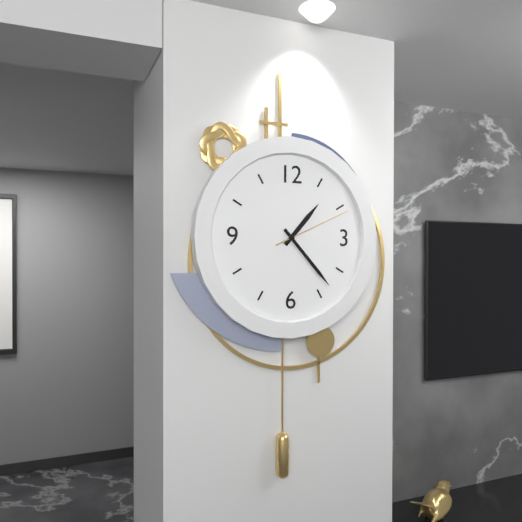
**1:23:11**
